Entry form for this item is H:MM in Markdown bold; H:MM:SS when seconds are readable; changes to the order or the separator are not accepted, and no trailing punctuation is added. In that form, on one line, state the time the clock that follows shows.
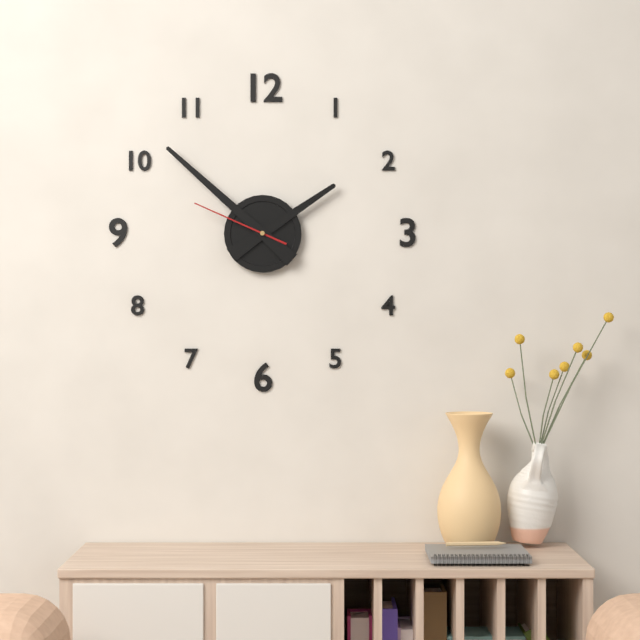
**1:52:49**
